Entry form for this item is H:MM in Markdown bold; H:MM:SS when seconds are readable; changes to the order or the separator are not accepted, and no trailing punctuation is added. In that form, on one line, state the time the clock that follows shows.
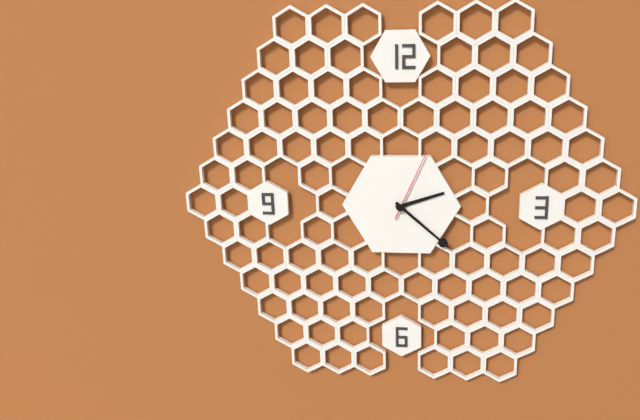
**2:22:04**
